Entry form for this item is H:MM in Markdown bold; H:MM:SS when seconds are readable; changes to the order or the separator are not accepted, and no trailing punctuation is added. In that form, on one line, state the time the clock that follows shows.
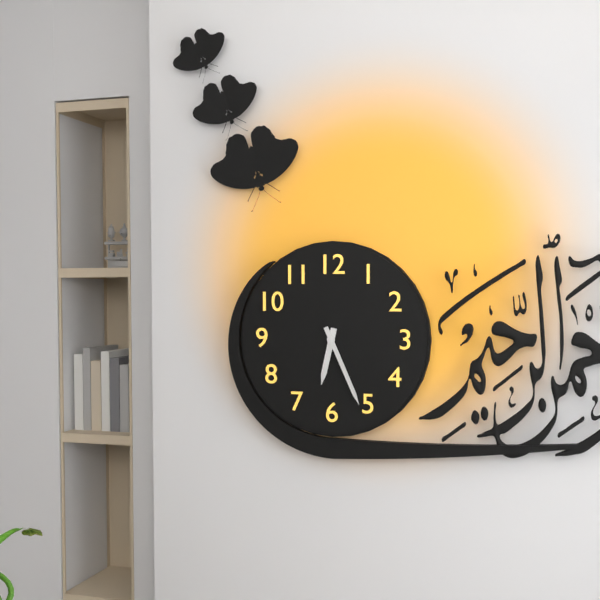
**6:26**
